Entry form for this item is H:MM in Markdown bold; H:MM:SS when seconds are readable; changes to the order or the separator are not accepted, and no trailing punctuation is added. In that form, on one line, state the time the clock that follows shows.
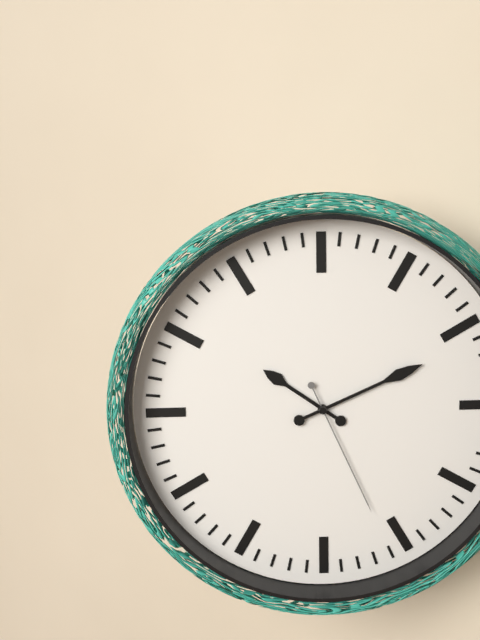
**10:11:26**
